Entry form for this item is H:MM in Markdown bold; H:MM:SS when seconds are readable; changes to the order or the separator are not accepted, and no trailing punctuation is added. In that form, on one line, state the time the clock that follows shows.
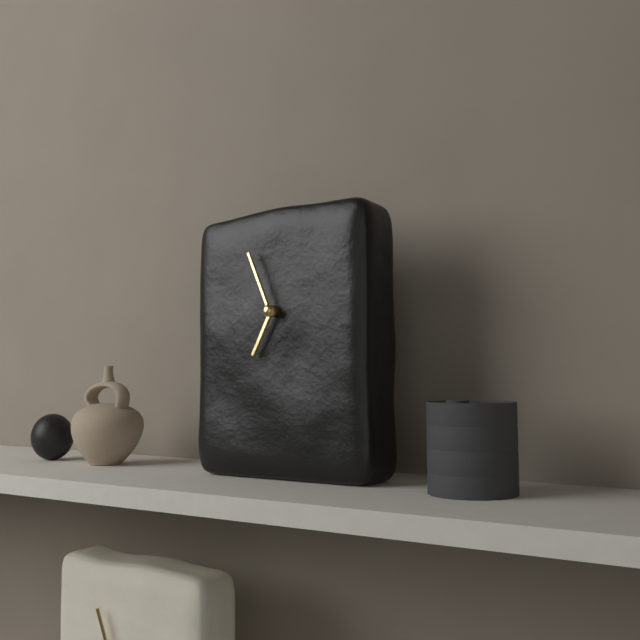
**6:56**
